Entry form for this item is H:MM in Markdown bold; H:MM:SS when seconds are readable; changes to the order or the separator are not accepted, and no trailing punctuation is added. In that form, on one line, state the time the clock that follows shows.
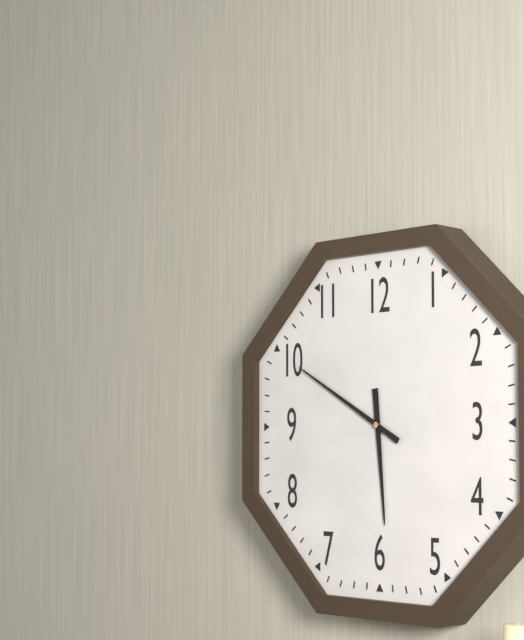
**5:50**
